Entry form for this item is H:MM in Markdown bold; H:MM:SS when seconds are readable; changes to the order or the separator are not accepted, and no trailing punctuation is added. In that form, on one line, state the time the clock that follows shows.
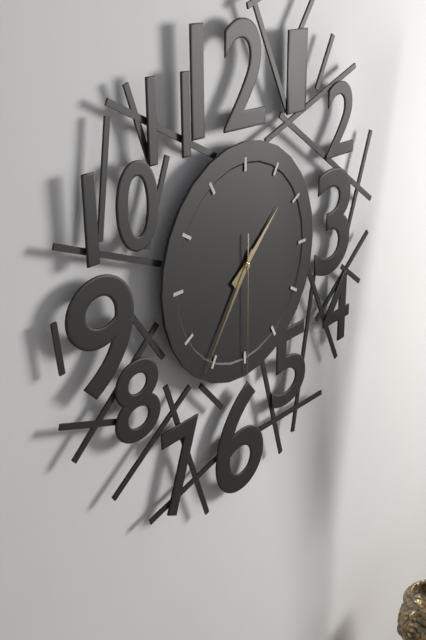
**1:36:30**
